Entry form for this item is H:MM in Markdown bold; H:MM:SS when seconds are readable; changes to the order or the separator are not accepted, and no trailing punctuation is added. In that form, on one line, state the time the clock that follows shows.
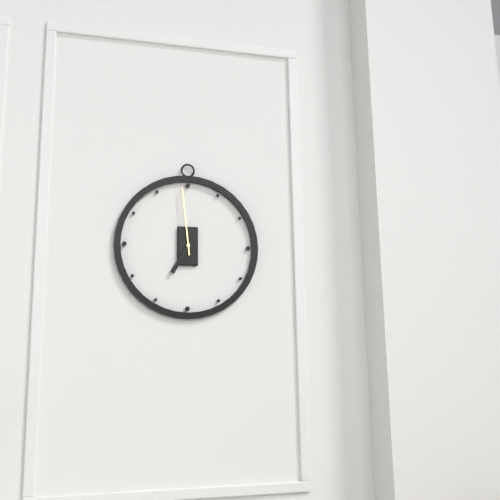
**6:59**
